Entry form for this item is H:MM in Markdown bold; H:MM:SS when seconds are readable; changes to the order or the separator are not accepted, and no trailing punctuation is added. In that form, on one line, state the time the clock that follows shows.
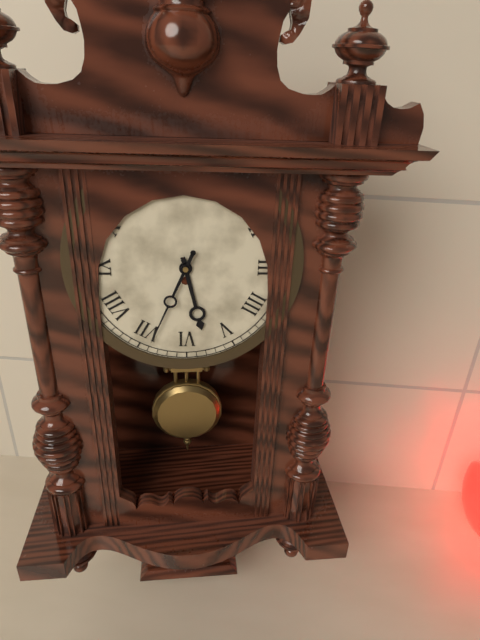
**5:34**
